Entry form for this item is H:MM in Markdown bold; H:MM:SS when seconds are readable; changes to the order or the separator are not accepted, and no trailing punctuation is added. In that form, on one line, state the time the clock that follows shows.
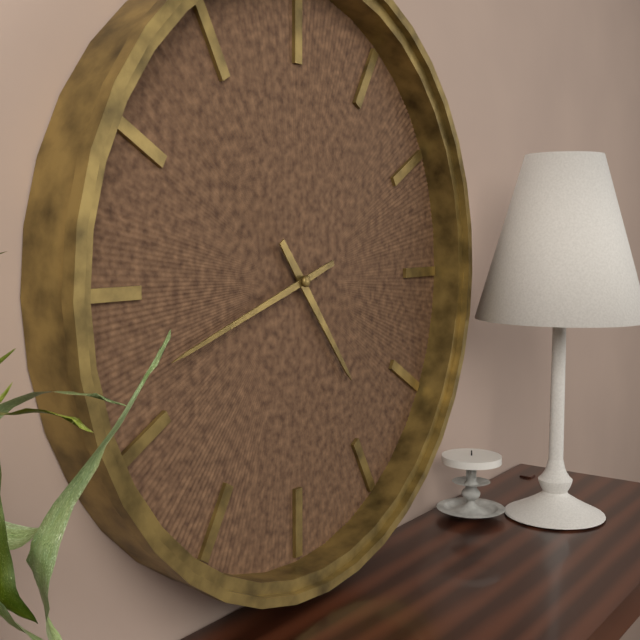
**4:42**
